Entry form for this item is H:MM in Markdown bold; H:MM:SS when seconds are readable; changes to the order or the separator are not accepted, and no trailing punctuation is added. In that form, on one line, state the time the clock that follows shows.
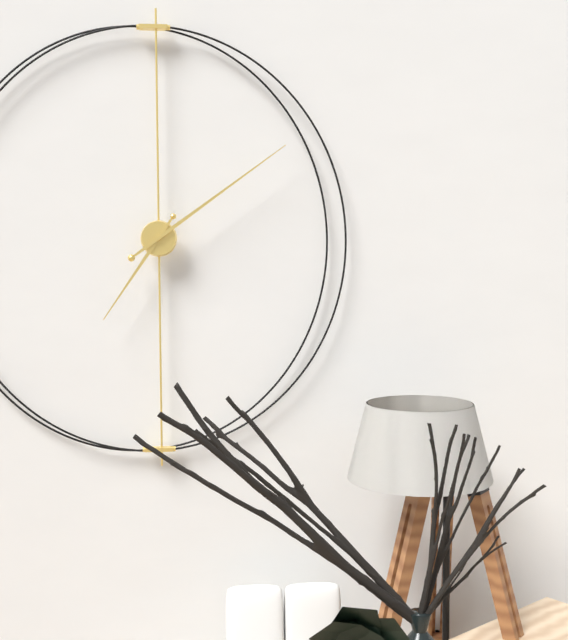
**7:09**
